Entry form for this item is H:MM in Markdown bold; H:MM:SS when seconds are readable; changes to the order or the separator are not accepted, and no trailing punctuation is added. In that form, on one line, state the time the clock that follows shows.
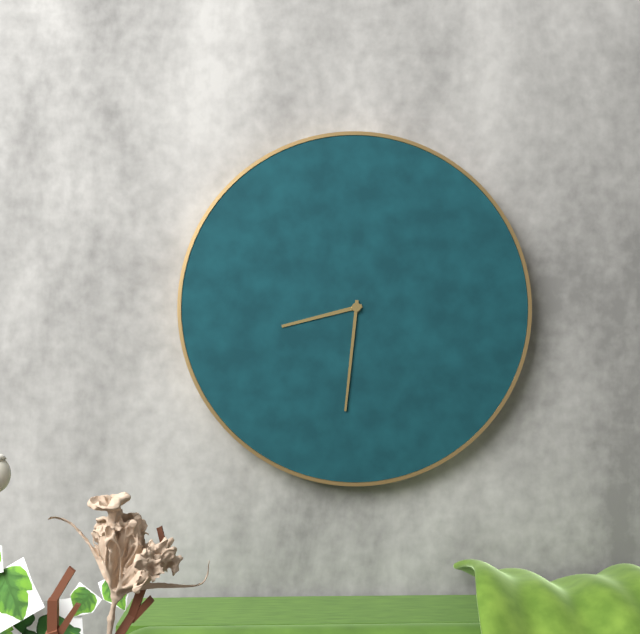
**8:31**
